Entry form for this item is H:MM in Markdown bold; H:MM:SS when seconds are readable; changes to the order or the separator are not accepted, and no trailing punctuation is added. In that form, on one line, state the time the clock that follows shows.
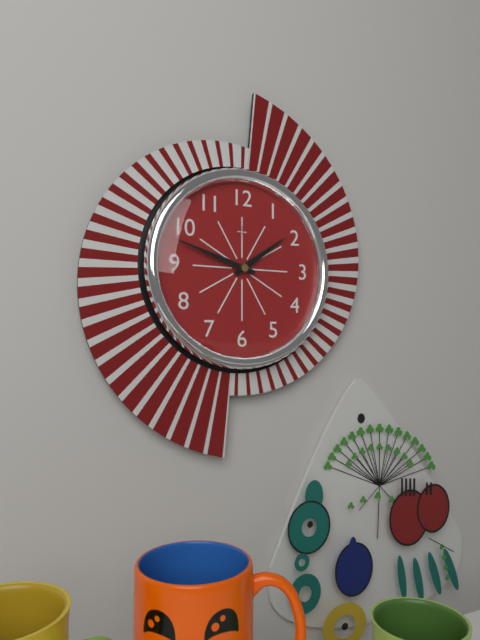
**1:48**
